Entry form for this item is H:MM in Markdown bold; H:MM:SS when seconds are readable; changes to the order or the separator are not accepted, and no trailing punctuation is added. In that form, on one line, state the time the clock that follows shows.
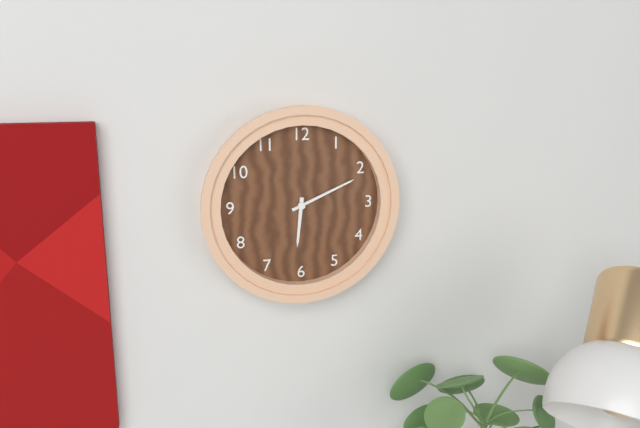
**6:11**
